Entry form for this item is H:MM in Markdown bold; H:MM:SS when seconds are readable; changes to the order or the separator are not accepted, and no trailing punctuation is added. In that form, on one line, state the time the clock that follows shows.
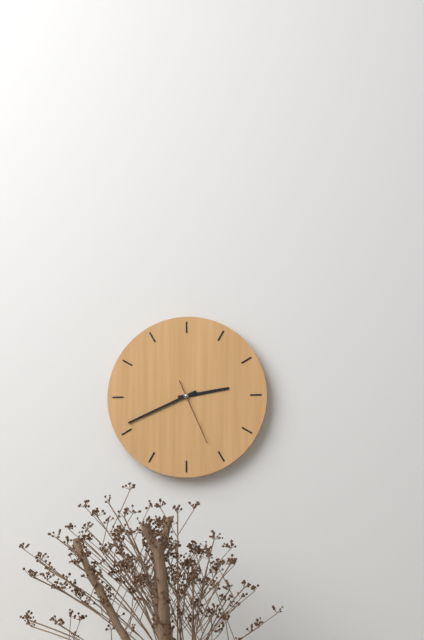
**2:41:26**
